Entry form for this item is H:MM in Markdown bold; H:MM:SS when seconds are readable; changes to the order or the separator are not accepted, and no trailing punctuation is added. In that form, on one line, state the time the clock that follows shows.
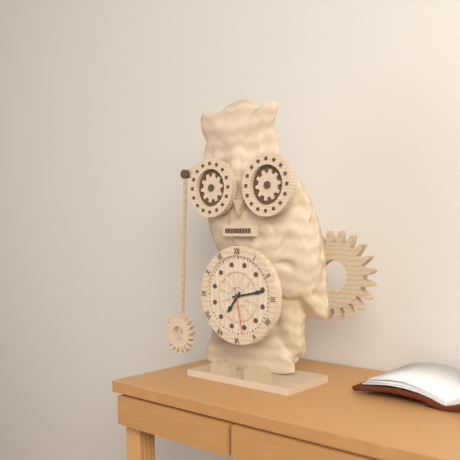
**7:13**
